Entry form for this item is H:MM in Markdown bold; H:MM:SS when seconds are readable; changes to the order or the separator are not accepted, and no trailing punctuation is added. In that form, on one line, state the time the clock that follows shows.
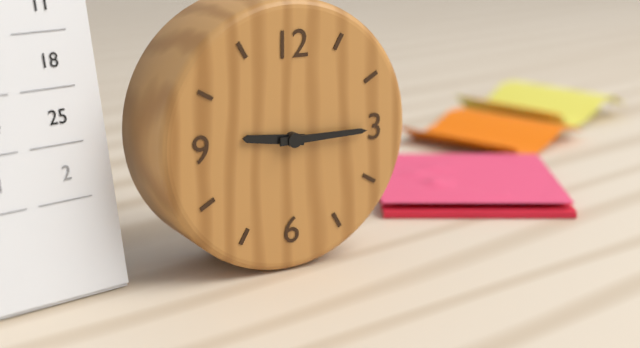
**9:15**
